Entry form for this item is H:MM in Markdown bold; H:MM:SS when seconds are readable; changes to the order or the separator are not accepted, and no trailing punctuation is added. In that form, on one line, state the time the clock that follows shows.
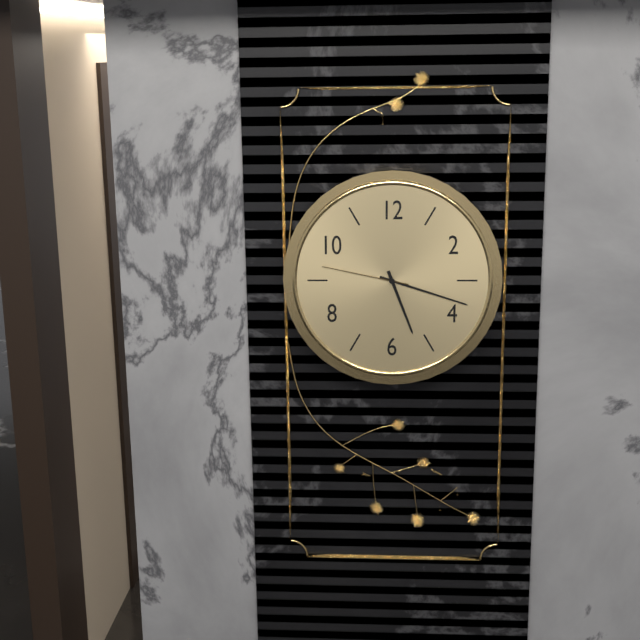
**5:18:47**
